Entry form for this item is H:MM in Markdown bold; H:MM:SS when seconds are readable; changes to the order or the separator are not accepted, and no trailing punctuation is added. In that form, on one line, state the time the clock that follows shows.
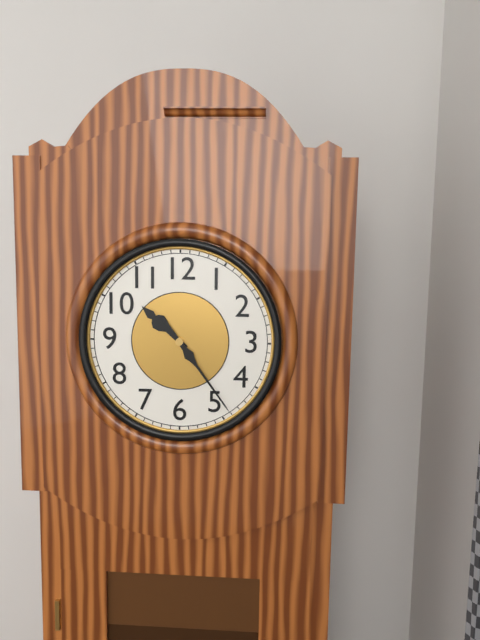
**10:24**
